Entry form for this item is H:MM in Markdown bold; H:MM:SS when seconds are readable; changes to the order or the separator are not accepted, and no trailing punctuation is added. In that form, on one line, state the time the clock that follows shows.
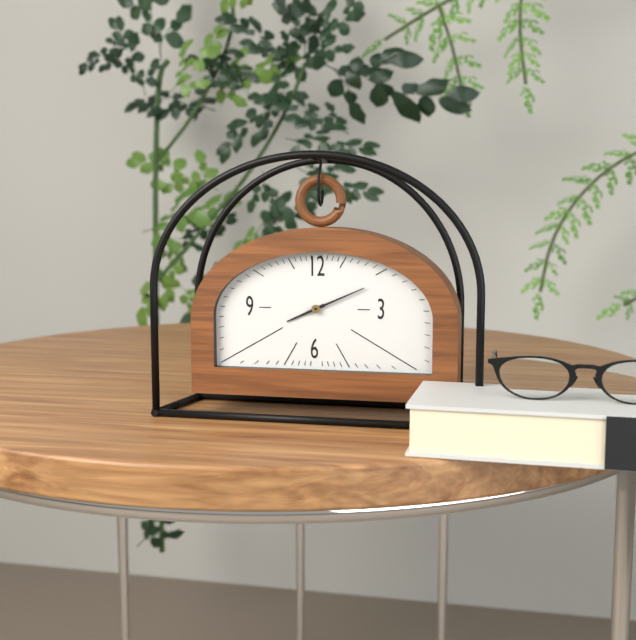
**8:11**
